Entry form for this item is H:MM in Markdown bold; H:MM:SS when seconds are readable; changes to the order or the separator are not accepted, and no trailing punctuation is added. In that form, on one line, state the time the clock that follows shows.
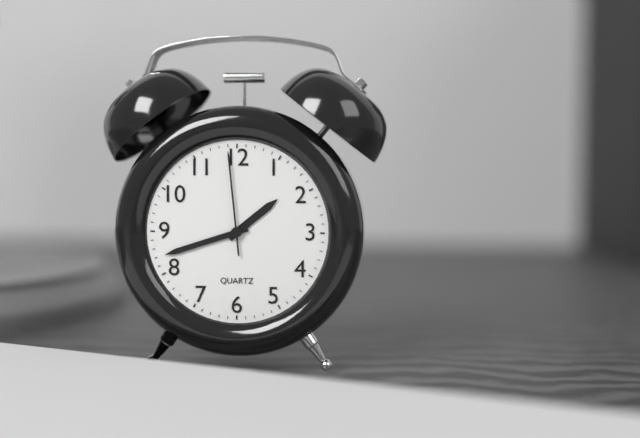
**1:42:59**
